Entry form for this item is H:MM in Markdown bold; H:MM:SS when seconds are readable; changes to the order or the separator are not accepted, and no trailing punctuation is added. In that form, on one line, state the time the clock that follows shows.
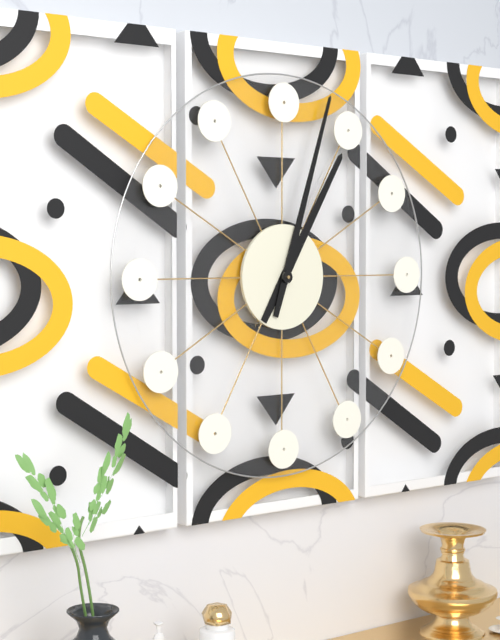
**1:03**
